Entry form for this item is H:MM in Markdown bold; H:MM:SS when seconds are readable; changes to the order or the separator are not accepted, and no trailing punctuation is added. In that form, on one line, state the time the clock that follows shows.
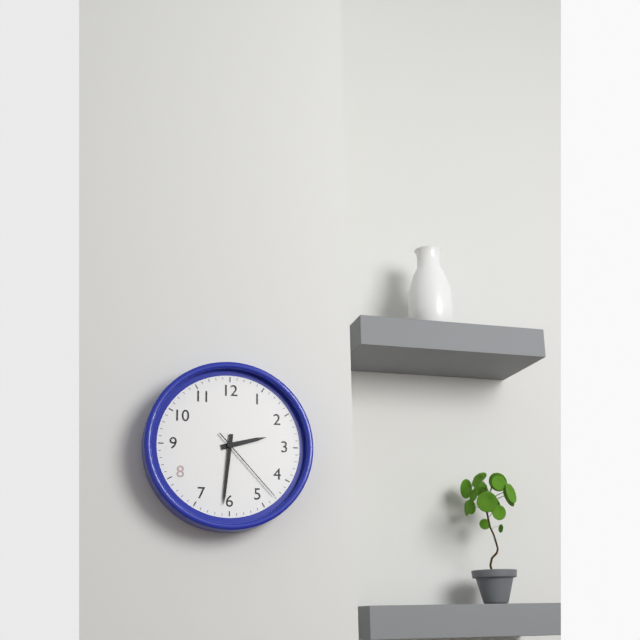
**2:31:23**
